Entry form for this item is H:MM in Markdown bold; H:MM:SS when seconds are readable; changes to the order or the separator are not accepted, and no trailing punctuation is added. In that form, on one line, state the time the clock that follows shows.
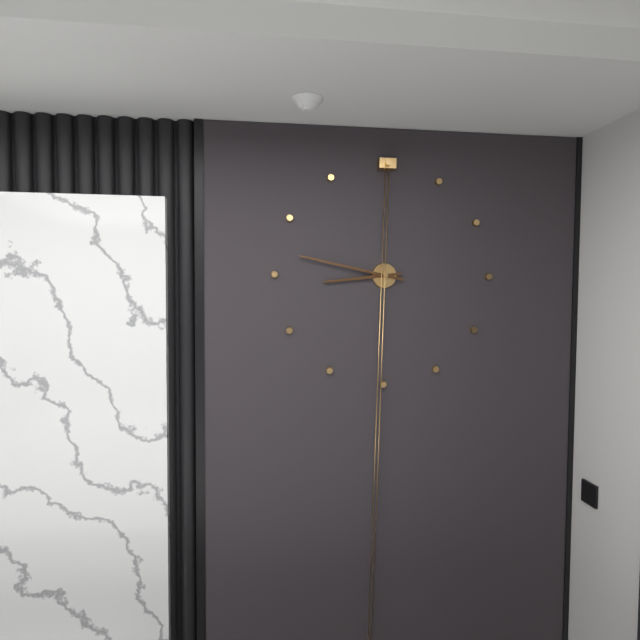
**8:47**
